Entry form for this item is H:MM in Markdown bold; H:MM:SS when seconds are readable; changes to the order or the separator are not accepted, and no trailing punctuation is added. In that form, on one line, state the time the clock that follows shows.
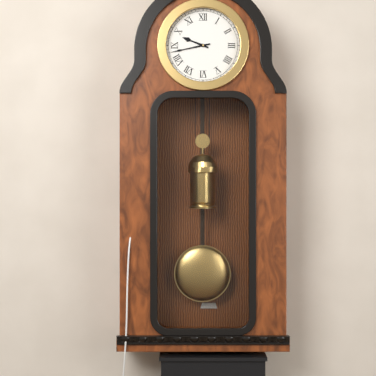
**9:43**
